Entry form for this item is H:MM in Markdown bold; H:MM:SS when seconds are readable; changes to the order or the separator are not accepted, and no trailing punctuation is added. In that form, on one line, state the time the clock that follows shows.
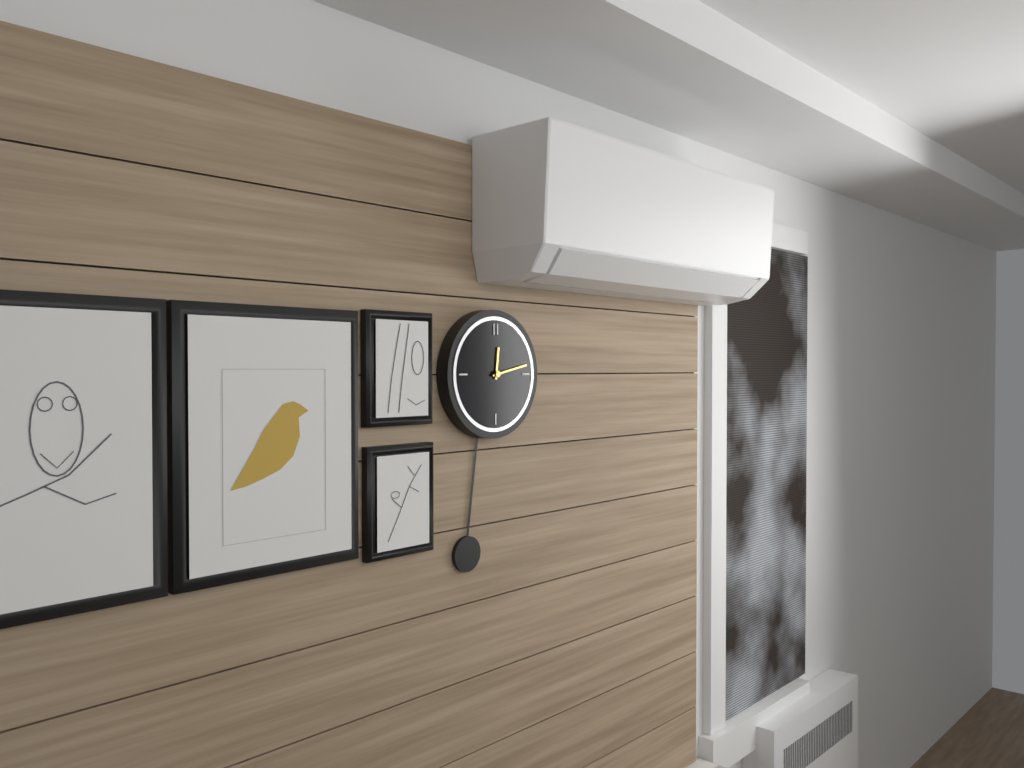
**12:13**
